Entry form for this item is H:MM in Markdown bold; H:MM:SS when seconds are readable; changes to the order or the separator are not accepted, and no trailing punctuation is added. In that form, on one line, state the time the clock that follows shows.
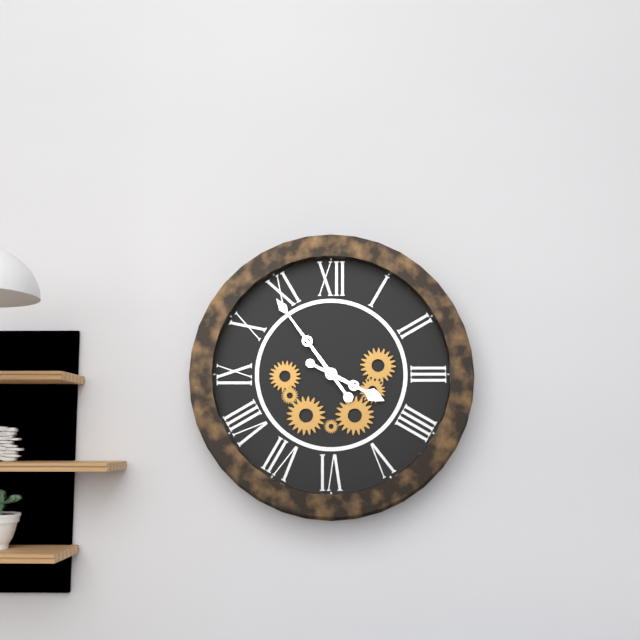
**3:54**
